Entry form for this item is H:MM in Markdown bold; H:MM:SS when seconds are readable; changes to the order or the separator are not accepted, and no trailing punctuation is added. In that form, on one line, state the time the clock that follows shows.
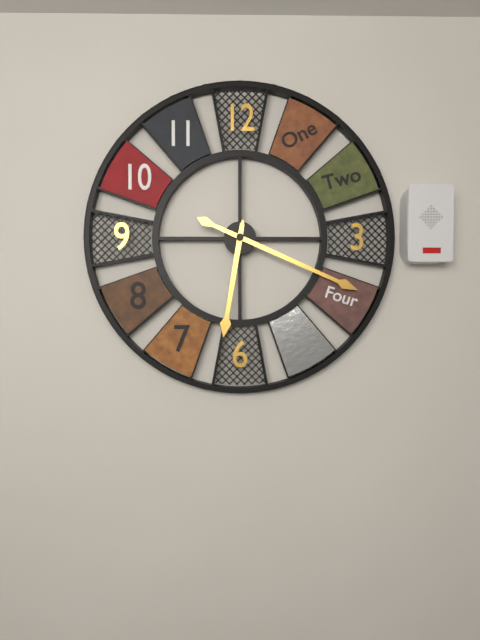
**6:19**
